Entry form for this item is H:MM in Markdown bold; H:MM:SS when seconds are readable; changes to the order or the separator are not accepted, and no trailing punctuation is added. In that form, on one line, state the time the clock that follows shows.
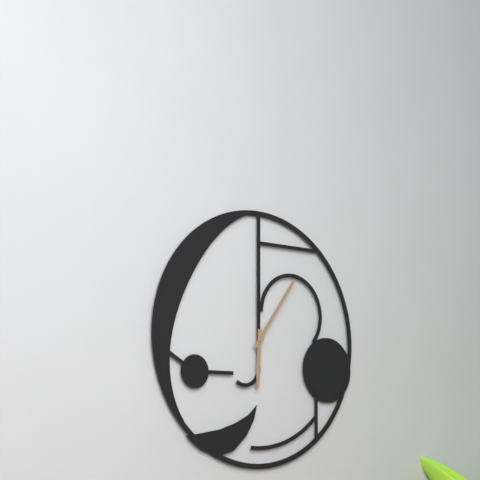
**6:06**
